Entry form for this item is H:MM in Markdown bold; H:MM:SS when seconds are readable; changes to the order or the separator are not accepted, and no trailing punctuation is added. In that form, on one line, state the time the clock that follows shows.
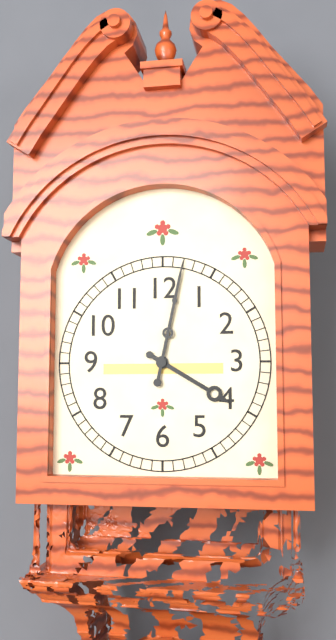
**4:02**
